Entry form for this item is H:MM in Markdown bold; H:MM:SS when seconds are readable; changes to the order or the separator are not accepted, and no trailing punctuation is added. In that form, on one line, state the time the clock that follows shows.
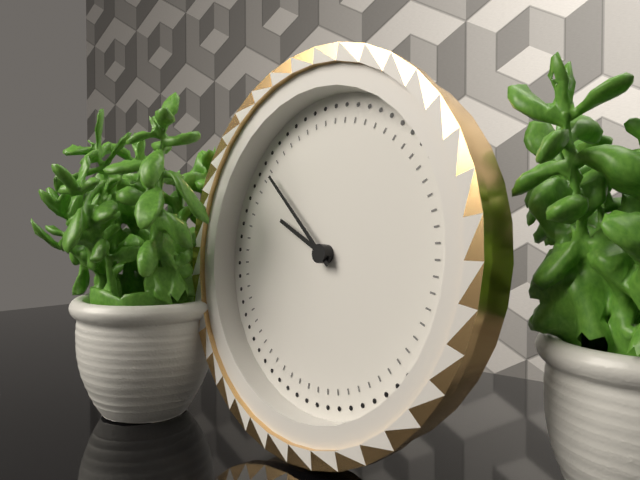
**9:52**
